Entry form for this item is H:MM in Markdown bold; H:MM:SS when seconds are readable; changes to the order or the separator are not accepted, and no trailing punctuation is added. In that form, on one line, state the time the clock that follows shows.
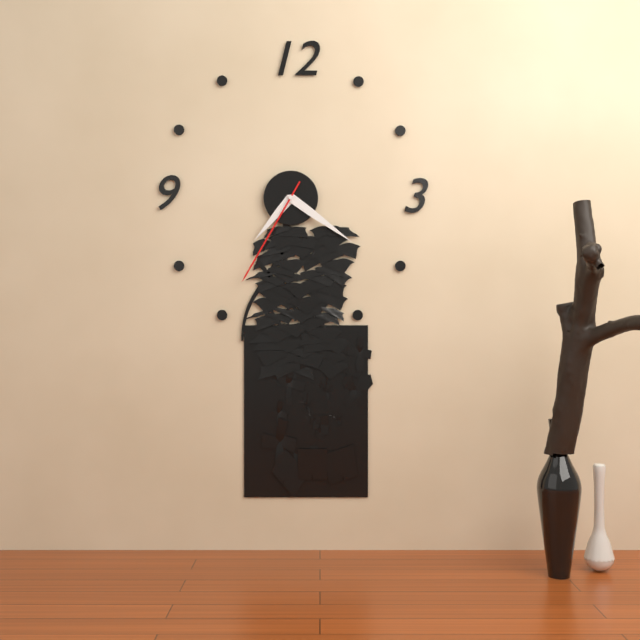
**7:21:35**
